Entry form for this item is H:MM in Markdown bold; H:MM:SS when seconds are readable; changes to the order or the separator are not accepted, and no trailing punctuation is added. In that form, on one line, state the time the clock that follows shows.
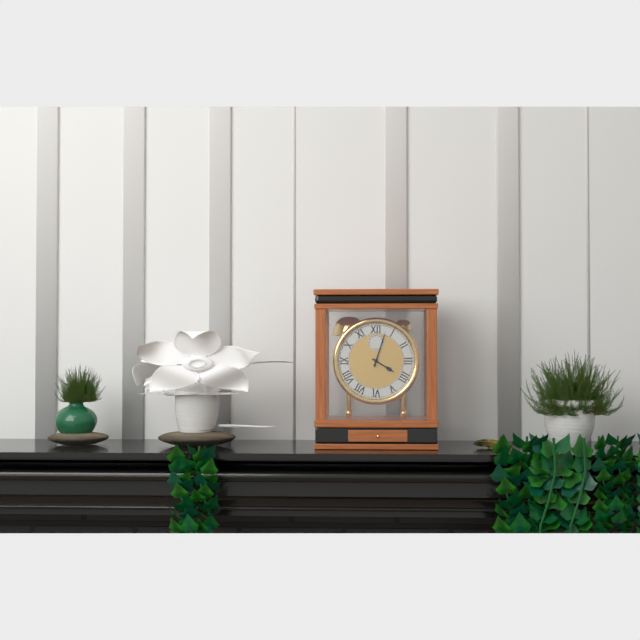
**4:03**
